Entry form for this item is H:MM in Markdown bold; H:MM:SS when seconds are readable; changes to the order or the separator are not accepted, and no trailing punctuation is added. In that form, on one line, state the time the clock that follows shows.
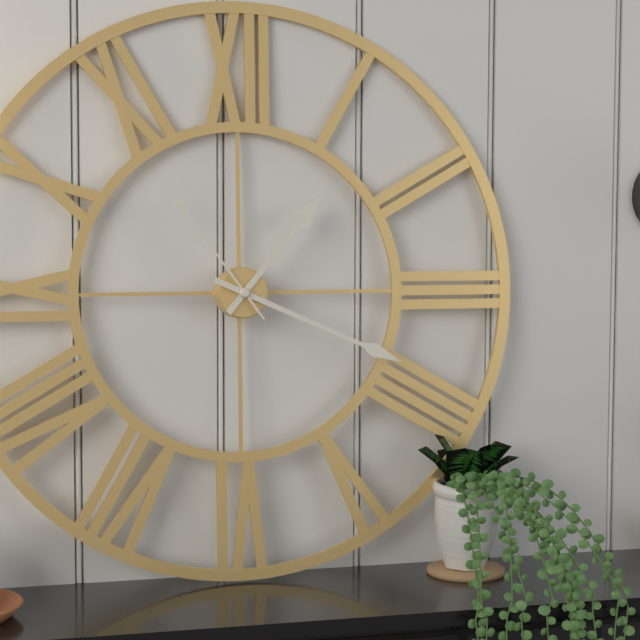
**1:19:54**
